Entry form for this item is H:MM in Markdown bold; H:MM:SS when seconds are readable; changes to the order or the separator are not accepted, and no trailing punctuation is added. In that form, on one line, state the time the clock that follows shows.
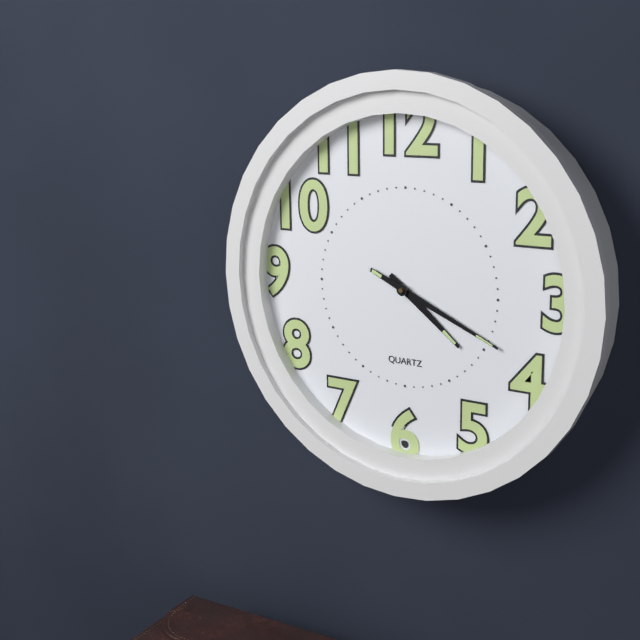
**4:19**
